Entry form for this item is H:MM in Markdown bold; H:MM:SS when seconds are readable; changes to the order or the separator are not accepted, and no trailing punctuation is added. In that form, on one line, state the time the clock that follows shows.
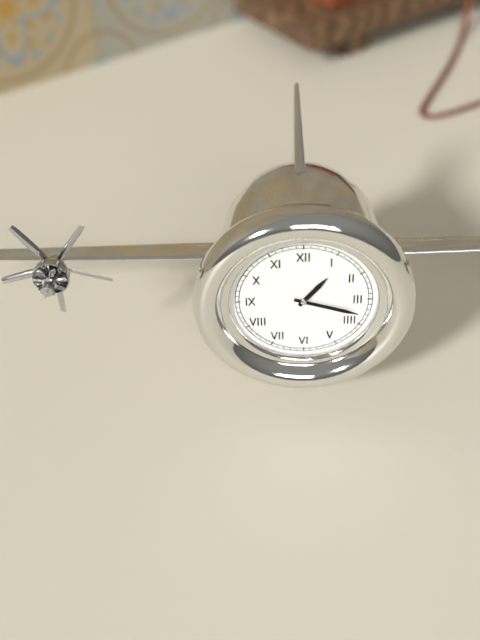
**1:18**
